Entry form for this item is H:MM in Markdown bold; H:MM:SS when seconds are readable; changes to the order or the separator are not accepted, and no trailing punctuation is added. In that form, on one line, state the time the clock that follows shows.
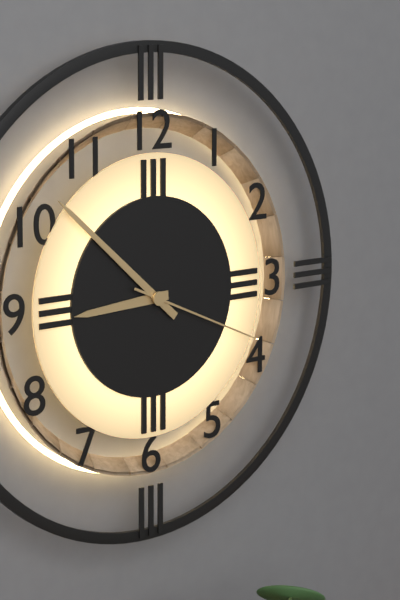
**8:52:19**
